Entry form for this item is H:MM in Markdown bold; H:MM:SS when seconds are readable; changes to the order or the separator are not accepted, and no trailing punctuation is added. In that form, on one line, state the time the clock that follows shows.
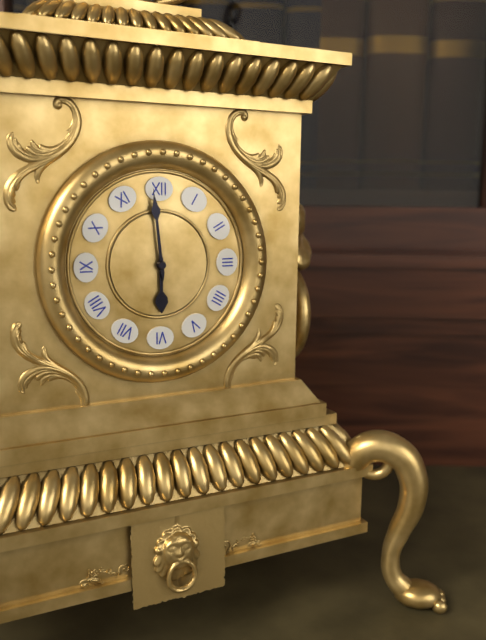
**5:59**
